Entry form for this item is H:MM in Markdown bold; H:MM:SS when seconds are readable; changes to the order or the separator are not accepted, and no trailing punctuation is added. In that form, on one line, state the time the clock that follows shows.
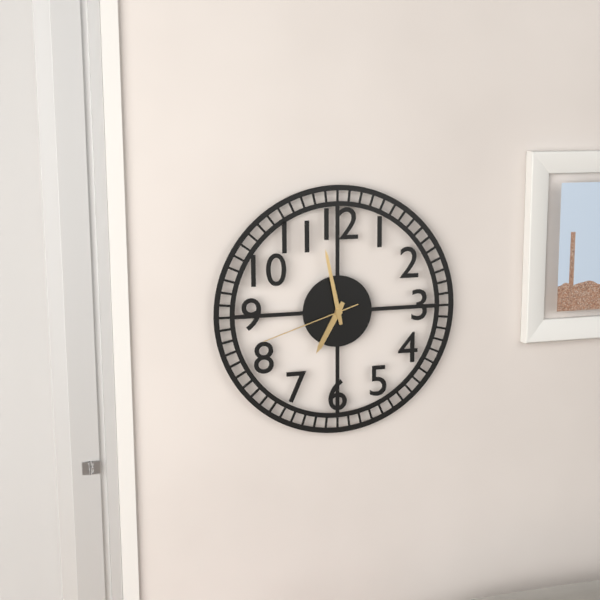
**6:58:42**
